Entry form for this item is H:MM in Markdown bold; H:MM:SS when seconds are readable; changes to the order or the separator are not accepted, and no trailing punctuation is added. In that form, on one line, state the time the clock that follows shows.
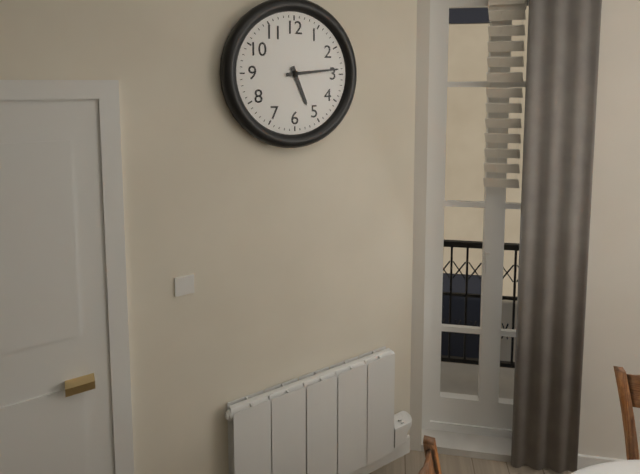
**5:14**
